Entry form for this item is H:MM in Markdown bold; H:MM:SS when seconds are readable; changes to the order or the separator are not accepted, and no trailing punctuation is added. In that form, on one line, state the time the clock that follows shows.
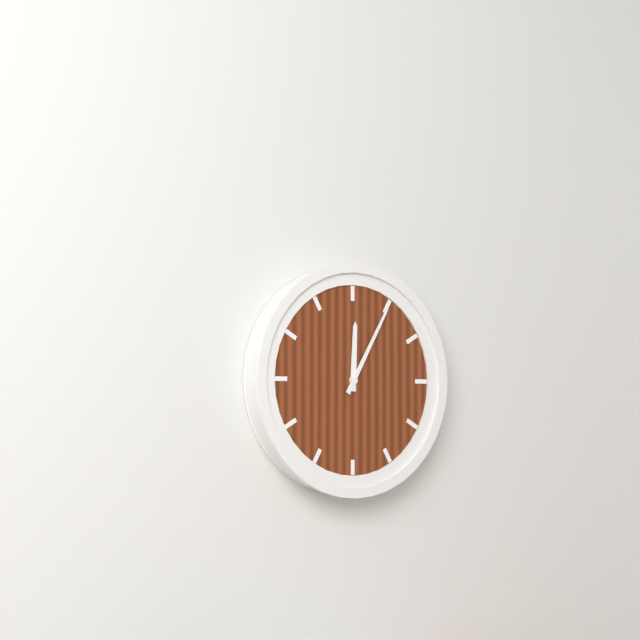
**12:05**
